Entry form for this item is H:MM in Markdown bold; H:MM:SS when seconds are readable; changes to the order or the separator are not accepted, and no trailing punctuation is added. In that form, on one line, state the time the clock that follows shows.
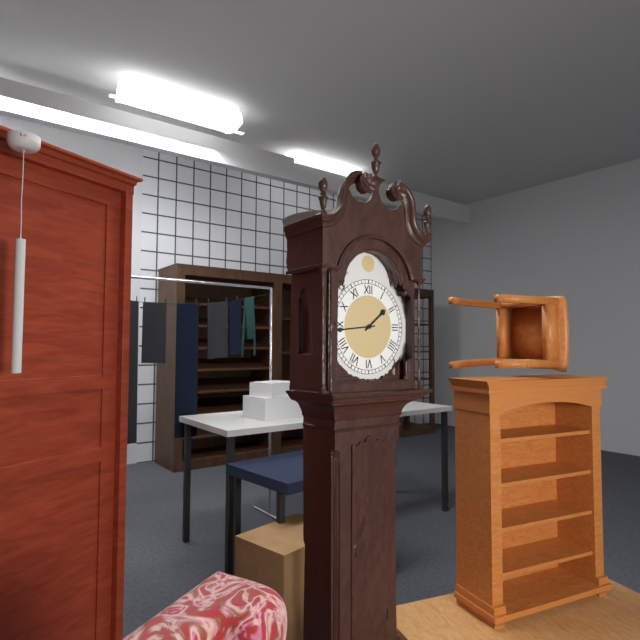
**1:44**
